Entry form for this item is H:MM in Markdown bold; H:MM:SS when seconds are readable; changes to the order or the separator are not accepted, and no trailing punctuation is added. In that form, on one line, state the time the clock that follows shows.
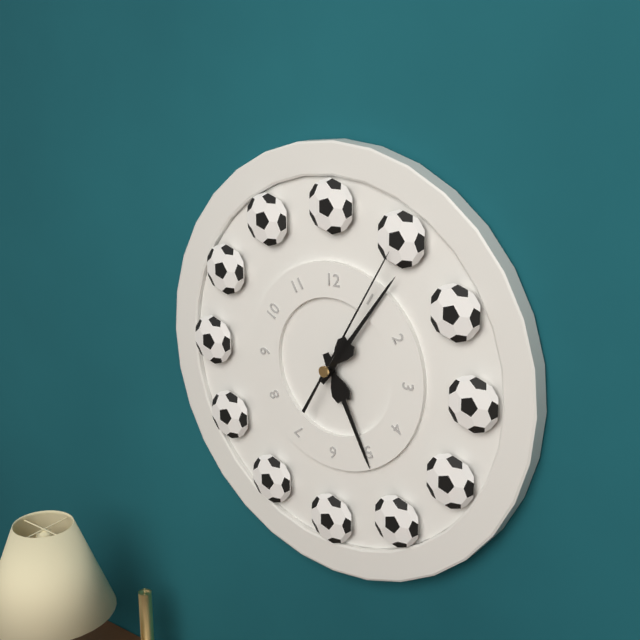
**5:06:05**
